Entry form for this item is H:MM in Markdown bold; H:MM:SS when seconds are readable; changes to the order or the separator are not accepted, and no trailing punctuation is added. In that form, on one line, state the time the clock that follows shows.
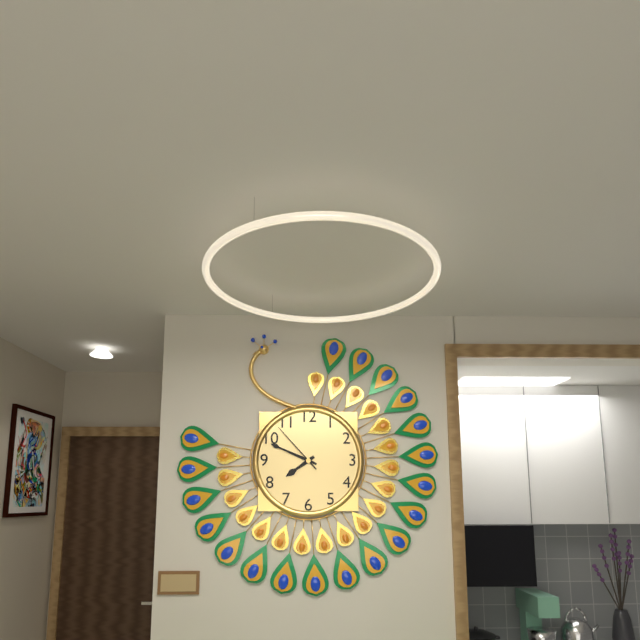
**7:49:53**
